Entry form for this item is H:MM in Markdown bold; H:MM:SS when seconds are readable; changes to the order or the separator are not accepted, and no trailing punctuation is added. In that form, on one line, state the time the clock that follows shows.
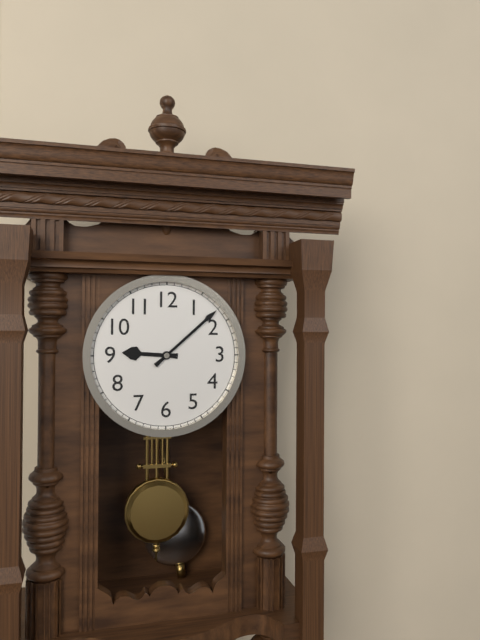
**9:08**
